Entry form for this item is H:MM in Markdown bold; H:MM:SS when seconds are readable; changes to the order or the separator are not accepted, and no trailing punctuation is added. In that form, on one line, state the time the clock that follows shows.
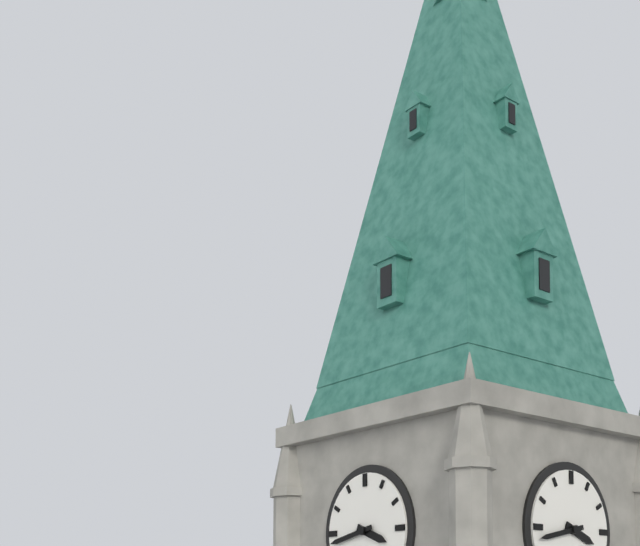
**3:43**
